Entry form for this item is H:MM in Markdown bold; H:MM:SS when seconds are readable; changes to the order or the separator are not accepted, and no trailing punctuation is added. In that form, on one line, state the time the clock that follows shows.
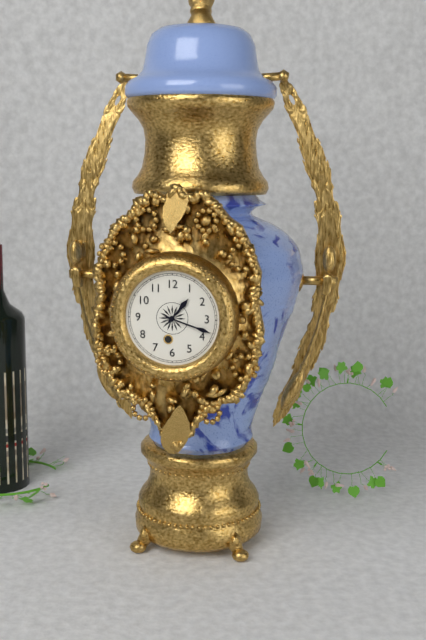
**1:18**
